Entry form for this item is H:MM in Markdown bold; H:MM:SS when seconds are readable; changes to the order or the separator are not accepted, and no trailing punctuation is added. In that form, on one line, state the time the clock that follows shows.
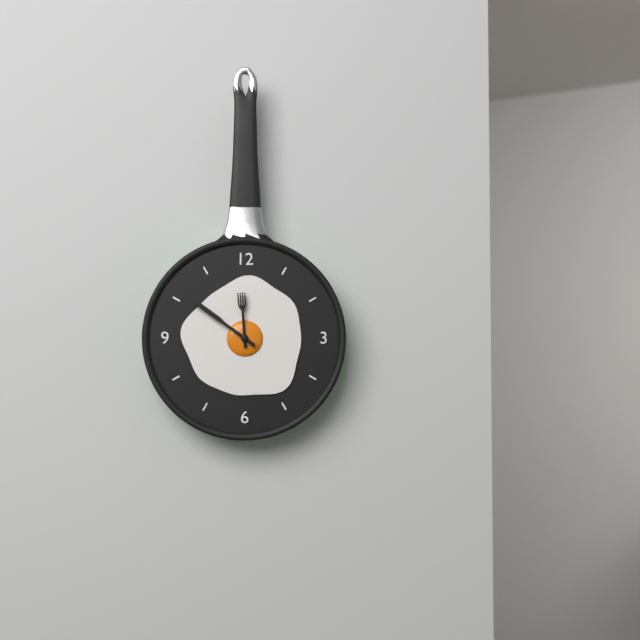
**11:51**
